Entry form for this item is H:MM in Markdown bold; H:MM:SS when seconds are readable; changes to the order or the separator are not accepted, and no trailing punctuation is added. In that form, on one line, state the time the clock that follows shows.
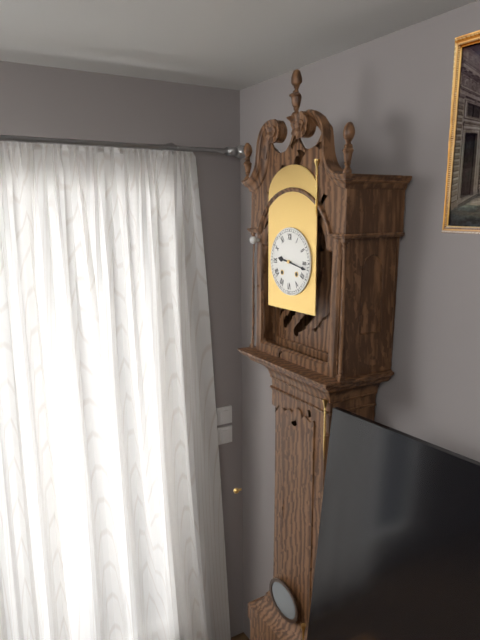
**9:17**
